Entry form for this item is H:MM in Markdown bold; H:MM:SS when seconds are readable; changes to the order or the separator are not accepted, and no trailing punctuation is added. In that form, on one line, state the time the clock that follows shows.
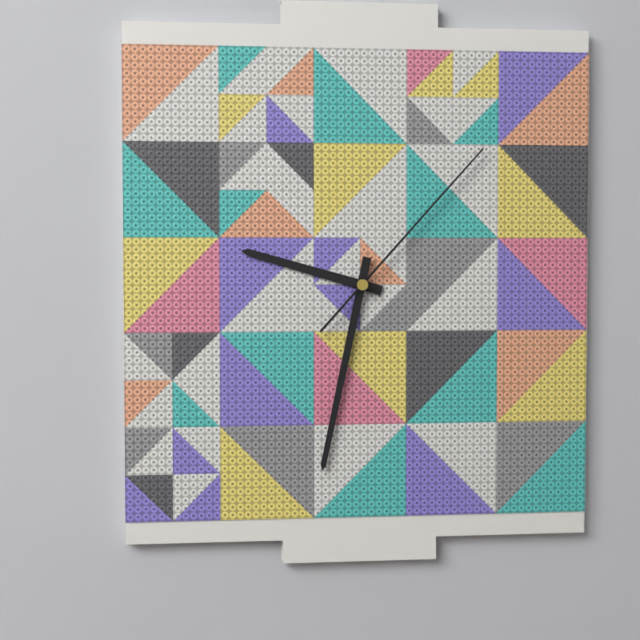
**9:32:07**
